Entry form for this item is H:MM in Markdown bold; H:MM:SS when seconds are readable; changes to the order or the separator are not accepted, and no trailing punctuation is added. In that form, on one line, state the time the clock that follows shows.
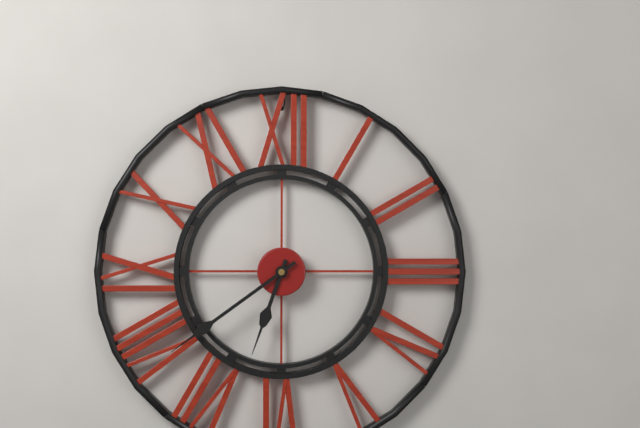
**6:39**
